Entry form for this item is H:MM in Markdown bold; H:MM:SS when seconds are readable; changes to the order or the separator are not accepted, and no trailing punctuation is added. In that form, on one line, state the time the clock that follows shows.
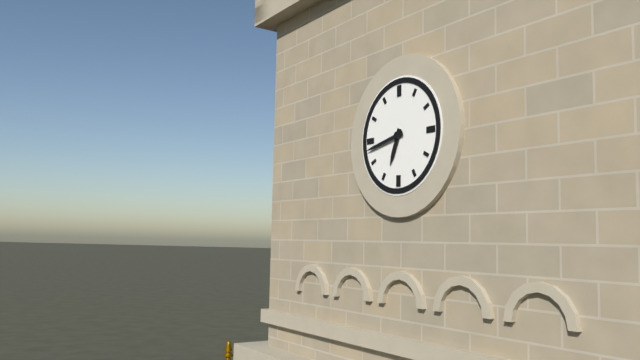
**6:43**
